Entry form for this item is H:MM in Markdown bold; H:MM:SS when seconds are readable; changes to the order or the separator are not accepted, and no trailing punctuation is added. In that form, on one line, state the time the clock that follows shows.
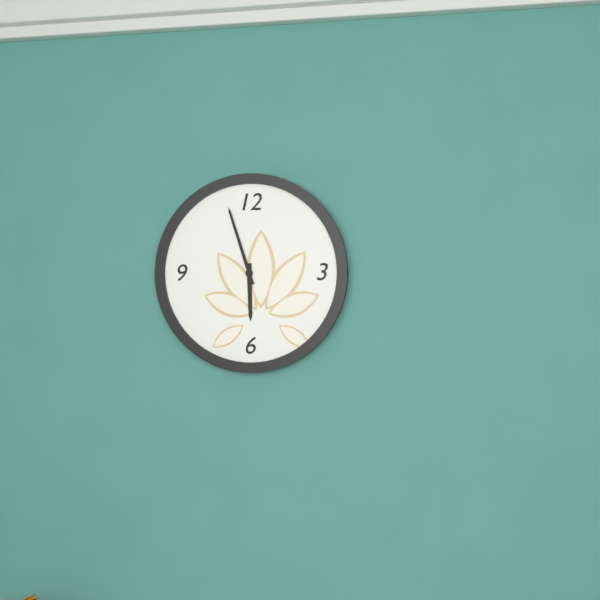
**5:57**
